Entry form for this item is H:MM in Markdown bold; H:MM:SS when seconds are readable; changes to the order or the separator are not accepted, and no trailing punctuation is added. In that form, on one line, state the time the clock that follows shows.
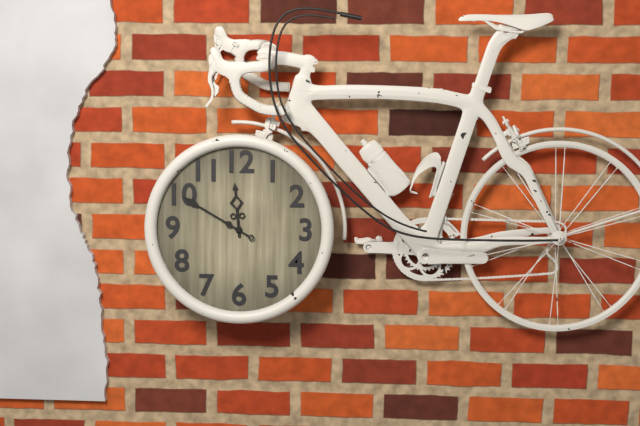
**11:50**
